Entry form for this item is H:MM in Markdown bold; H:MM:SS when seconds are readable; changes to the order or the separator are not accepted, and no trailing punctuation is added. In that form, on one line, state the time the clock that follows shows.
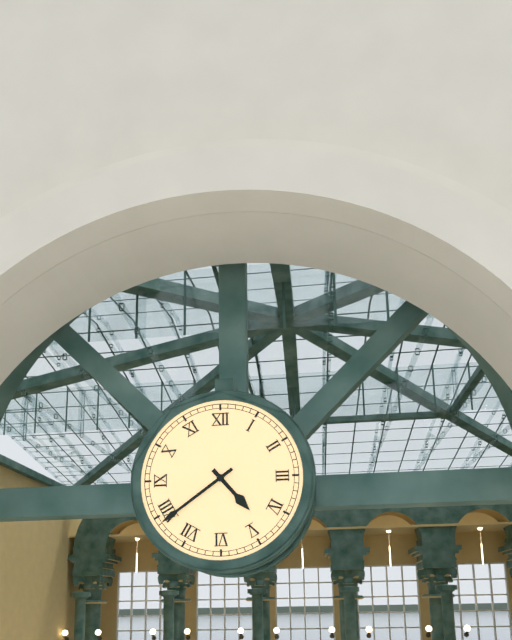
**4:39**
